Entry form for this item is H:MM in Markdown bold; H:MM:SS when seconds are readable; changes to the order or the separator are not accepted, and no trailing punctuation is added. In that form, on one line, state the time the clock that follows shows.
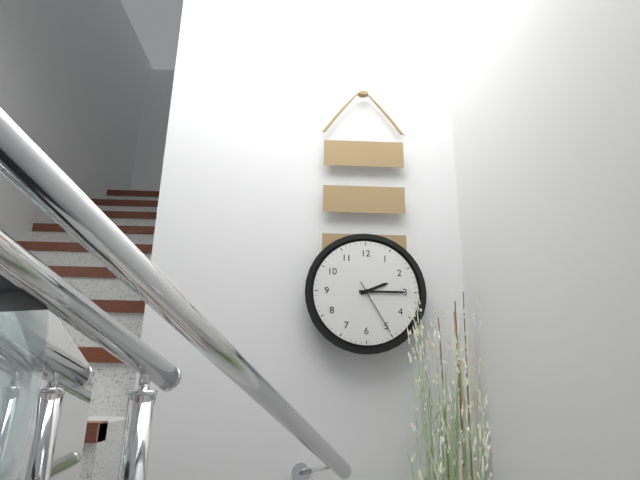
**2:15:25**
